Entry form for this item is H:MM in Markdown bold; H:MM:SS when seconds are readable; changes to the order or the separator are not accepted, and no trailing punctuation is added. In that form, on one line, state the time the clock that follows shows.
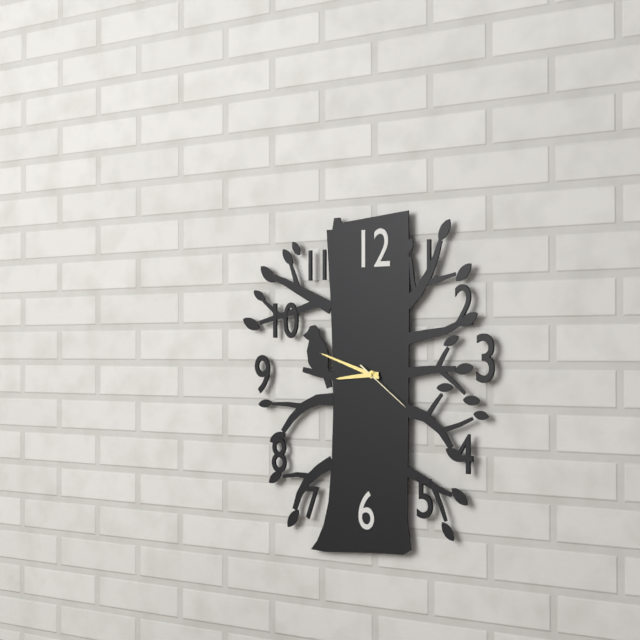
**8:48:21**
